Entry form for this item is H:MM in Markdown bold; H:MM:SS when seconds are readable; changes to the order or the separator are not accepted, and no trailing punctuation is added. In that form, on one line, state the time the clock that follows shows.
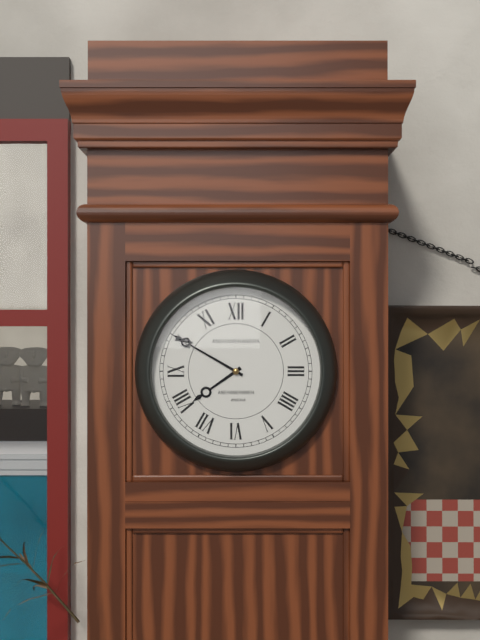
**7:50**
